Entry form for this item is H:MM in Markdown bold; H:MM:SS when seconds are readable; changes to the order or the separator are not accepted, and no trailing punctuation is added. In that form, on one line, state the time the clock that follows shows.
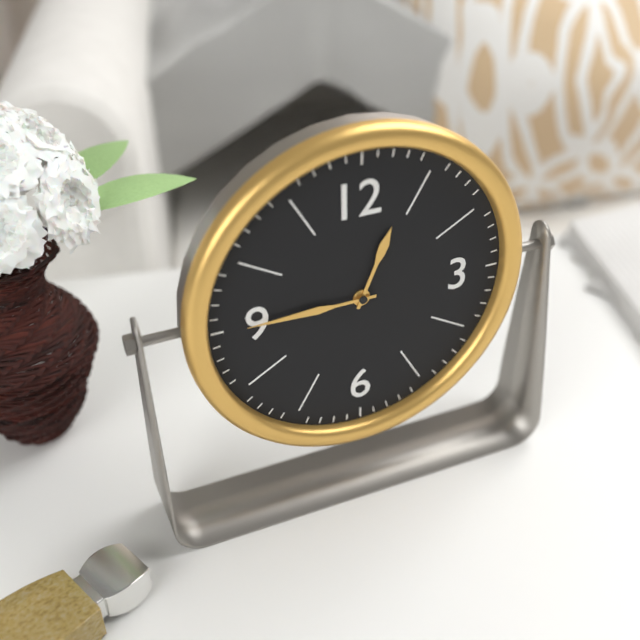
**12:45**
